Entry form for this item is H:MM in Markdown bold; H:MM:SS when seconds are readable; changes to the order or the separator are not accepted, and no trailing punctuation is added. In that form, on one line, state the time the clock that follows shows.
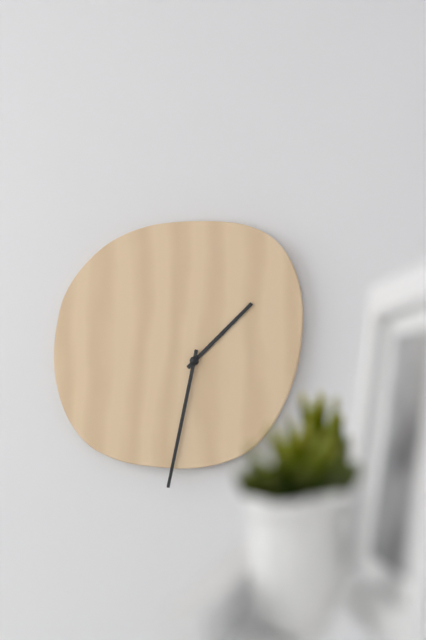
**1:32**
